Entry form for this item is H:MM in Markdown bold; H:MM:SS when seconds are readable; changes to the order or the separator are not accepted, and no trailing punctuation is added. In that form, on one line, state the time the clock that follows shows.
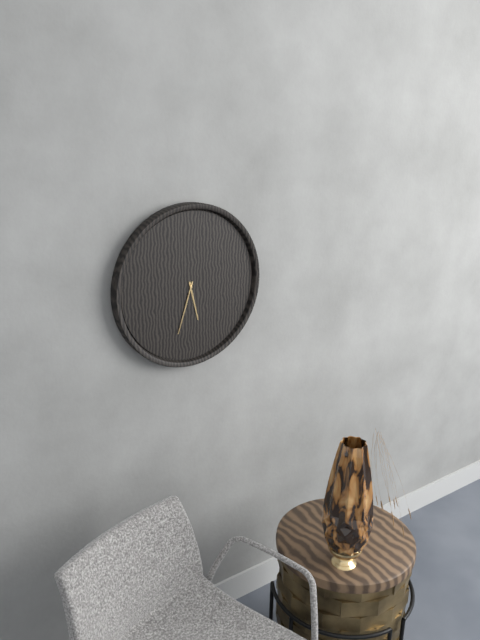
**5:33**
